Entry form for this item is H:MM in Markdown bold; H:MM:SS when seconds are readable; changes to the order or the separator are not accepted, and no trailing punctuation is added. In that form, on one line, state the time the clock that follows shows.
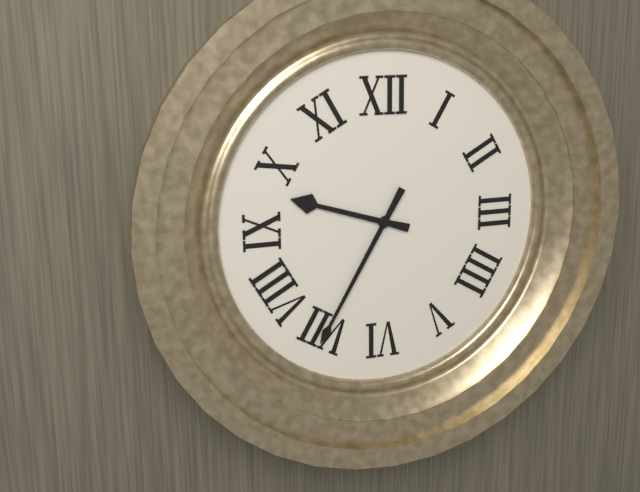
**9:35**
